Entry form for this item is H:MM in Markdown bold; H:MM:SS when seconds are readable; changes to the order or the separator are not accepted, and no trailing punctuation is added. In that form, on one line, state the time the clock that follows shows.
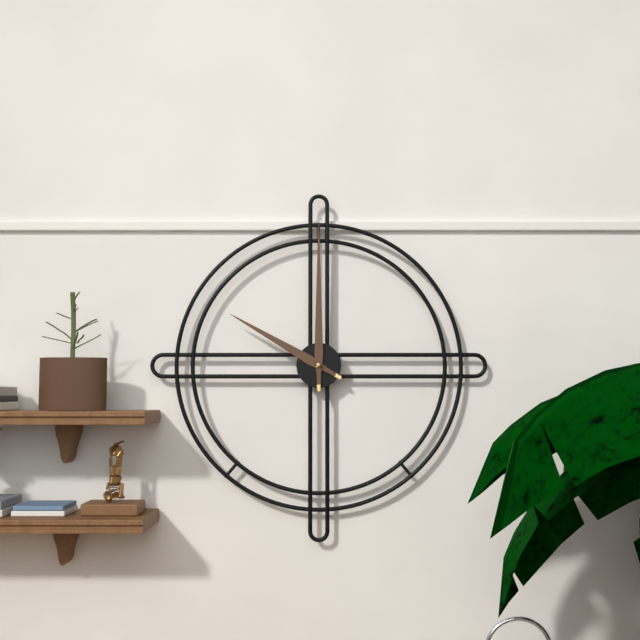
**10:00**
